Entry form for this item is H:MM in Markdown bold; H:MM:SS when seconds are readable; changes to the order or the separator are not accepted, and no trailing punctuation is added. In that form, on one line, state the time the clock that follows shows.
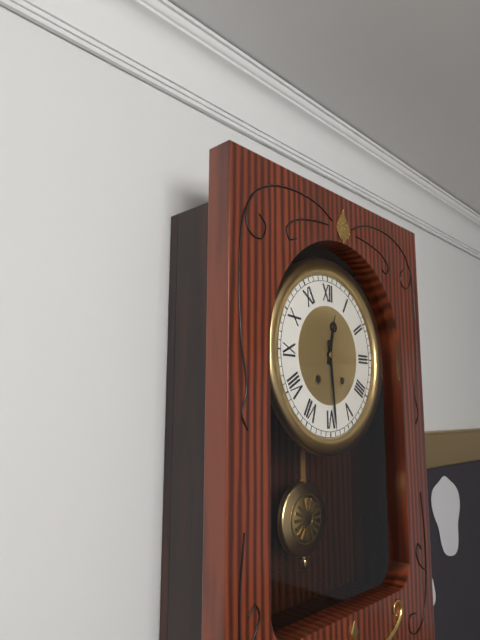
**12:29**
